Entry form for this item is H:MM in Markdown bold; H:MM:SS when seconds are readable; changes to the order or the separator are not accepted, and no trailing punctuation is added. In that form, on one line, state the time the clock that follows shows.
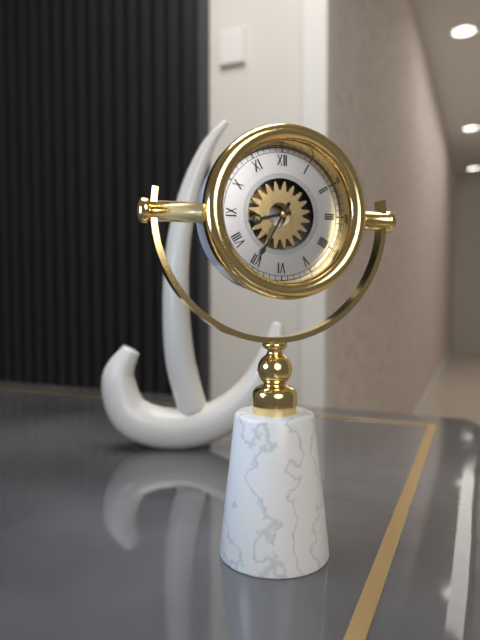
**8:35**
